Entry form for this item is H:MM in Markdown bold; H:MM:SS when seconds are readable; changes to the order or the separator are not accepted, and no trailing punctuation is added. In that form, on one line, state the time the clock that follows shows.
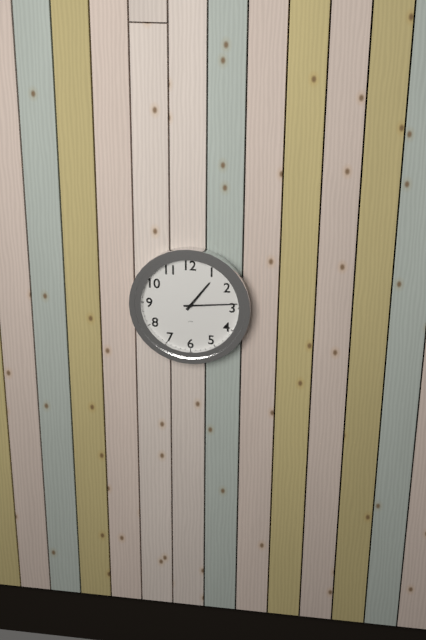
**1:14**
